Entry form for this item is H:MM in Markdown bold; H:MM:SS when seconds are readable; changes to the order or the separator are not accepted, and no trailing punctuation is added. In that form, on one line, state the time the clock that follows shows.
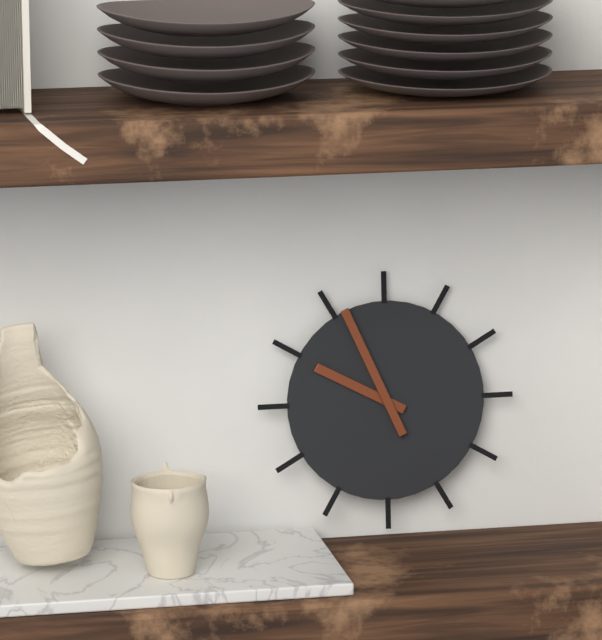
**9:56**
